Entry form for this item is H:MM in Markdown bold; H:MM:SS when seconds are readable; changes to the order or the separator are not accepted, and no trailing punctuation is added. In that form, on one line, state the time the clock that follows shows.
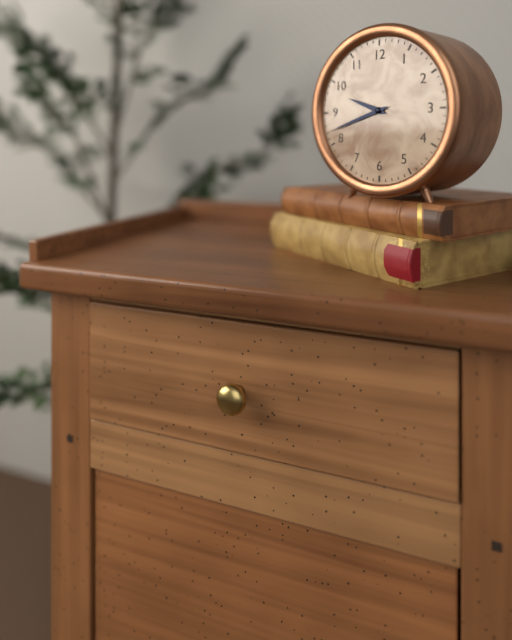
**9:42**
